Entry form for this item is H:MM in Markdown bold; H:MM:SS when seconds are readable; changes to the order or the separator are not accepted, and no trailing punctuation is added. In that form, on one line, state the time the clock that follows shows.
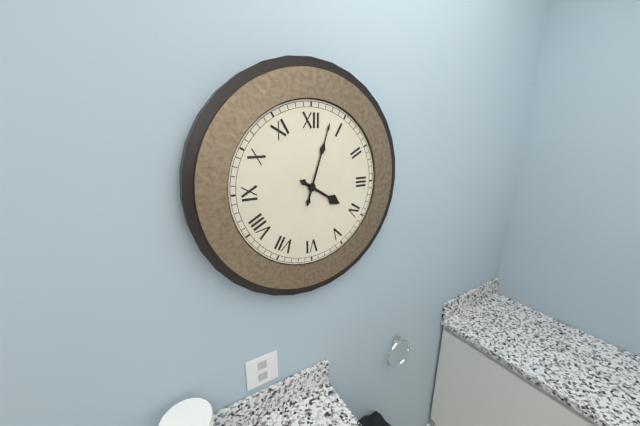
**4:03**
